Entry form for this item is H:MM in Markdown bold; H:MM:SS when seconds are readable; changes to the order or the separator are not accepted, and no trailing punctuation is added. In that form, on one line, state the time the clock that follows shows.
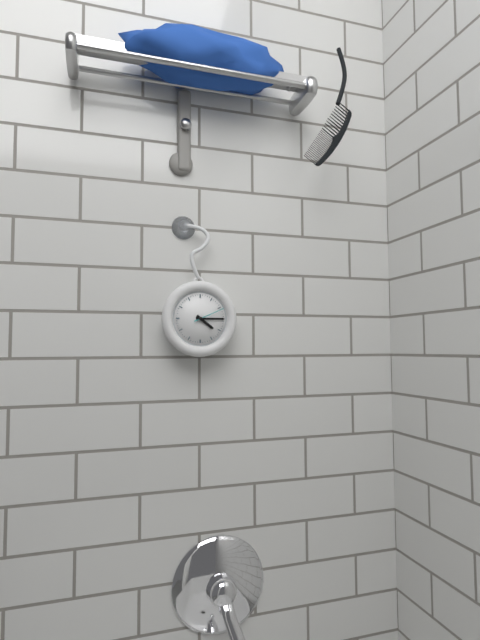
**4:15**
